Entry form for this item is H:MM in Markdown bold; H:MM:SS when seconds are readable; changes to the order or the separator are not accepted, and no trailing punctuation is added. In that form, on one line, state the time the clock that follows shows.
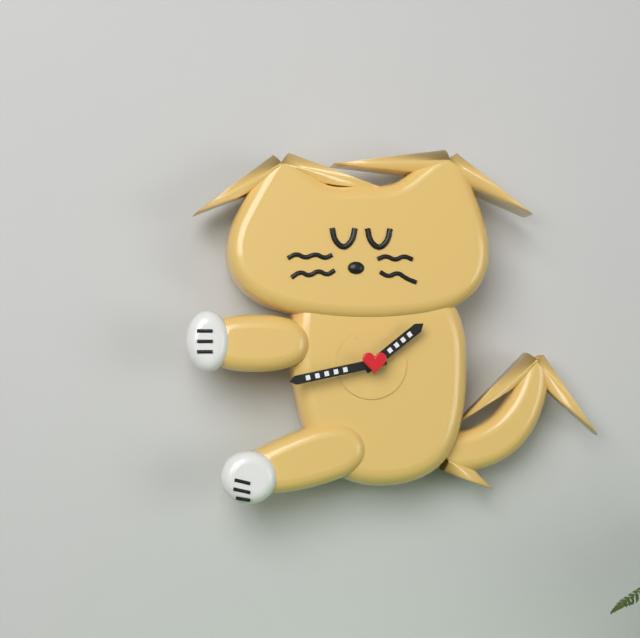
**1:43**
